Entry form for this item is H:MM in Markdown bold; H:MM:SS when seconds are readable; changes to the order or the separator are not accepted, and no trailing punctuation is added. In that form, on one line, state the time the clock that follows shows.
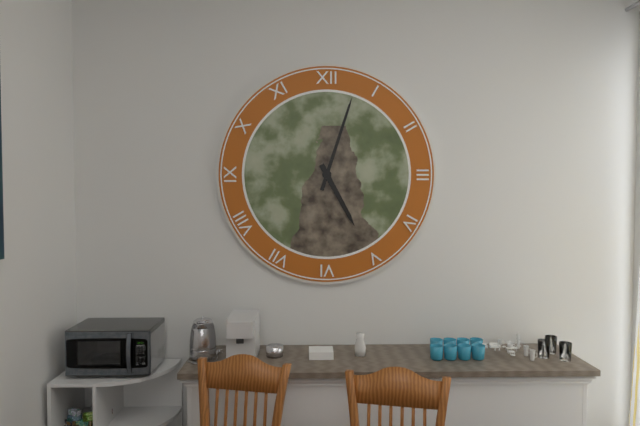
**5:03**
